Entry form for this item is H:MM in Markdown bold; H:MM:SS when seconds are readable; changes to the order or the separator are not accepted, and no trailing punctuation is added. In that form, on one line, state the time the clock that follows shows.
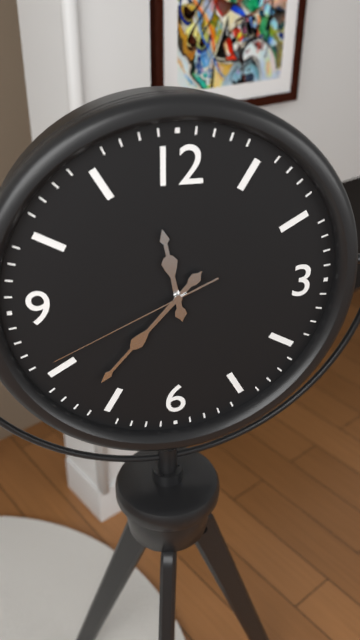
**11:37:41**
